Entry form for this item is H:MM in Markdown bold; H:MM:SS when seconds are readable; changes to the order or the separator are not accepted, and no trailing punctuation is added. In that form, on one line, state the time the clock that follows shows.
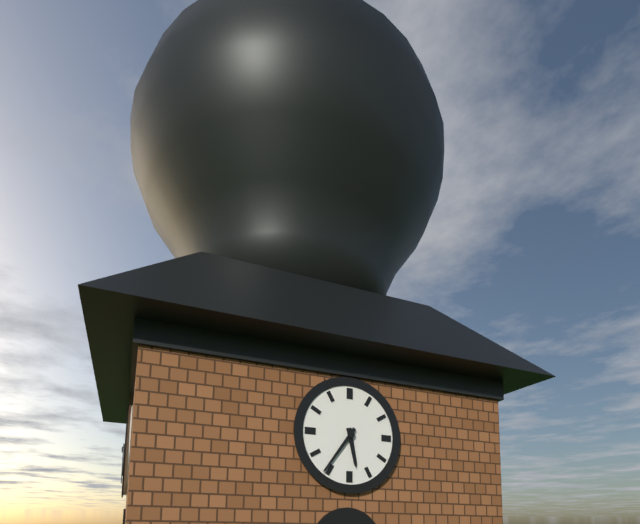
**5:36**
